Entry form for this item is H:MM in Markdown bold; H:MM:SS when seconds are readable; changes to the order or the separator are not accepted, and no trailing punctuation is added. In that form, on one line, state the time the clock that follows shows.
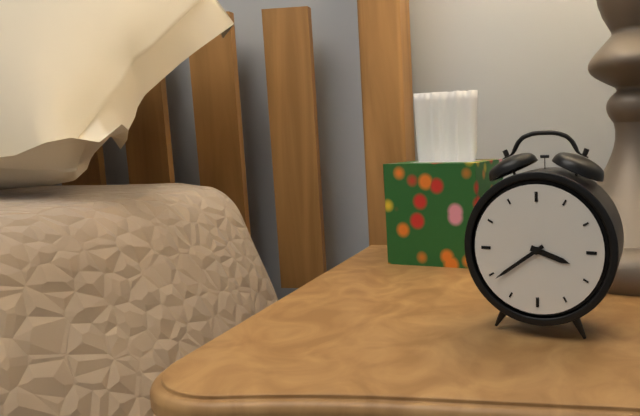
**3:39**
